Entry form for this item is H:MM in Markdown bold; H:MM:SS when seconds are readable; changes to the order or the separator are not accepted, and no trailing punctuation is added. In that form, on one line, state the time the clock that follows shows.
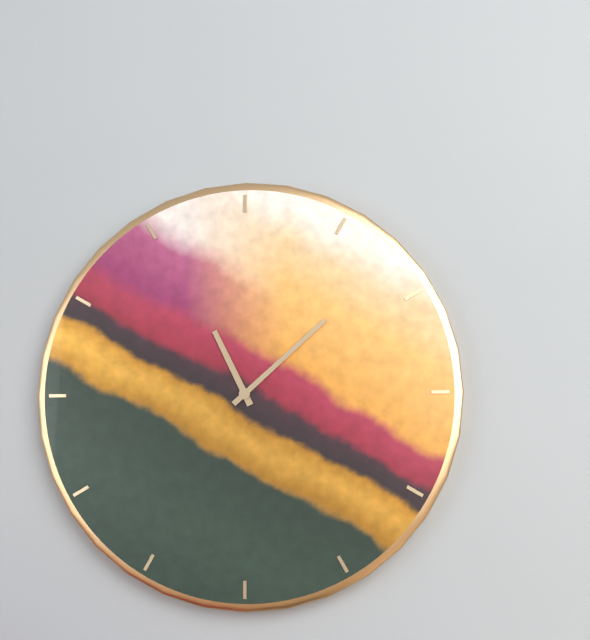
**11:08**
